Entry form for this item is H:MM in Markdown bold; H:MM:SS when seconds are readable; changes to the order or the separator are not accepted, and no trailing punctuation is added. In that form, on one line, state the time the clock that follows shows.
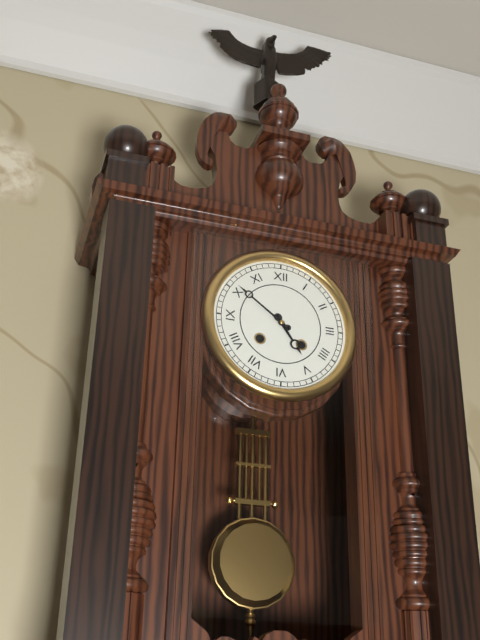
**4:51**
